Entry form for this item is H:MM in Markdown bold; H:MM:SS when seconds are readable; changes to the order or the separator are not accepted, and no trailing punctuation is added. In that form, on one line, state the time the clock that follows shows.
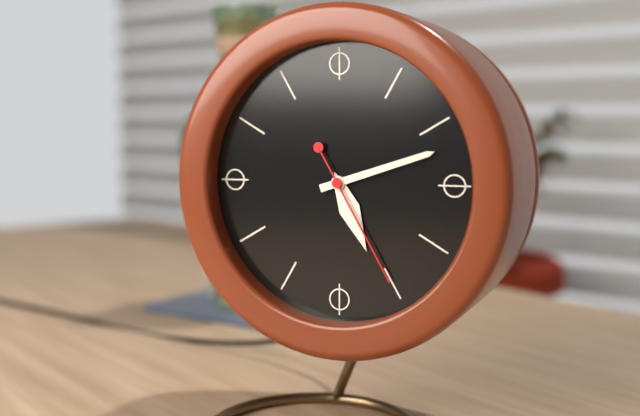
**5:12:25**
